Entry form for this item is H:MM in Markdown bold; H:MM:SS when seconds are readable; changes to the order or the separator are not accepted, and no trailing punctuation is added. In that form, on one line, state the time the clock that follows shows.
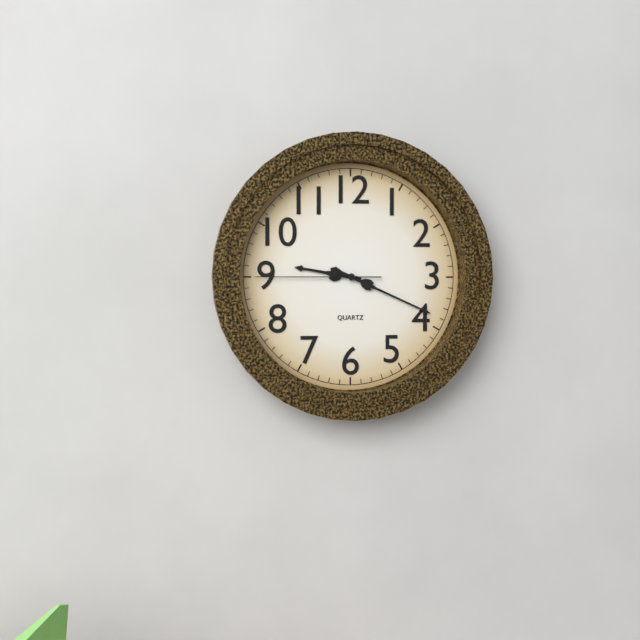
**9:19:45**
